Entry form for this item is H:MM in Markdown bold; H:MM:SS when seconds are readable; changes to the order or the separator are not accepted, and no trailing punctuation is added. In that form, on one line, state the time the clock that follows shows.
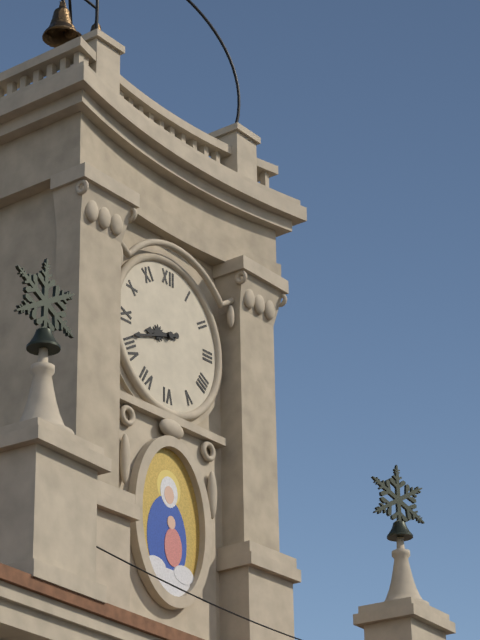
**8:42**
